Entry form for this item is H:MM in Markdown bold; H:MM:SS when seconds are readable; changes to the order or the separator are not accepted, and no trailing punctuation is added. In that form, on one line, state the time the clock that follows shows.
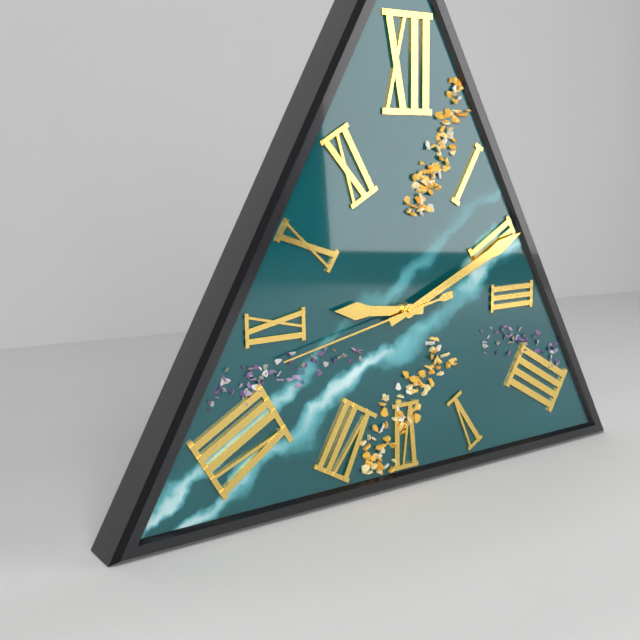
**9:11:43**
